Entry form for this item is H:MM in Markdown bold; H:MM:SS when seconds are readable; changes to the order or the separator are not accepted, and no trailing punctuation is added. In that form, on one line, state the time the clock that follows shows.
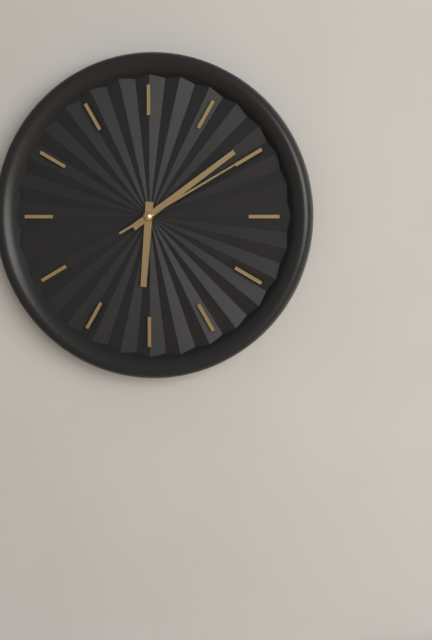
**6:09:10**
